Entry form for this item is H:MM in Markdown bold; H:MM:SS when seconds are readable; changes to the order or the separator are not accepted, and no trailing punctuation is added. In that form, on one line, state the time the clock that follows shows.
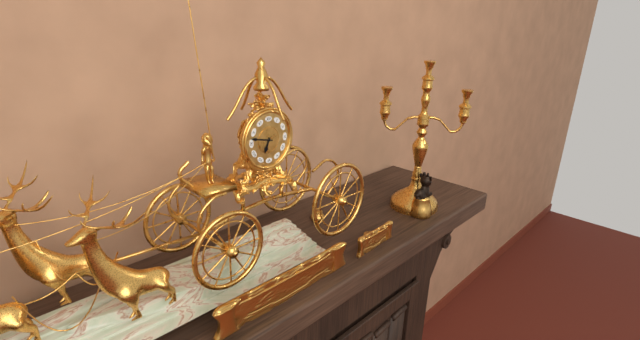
**6:47**
